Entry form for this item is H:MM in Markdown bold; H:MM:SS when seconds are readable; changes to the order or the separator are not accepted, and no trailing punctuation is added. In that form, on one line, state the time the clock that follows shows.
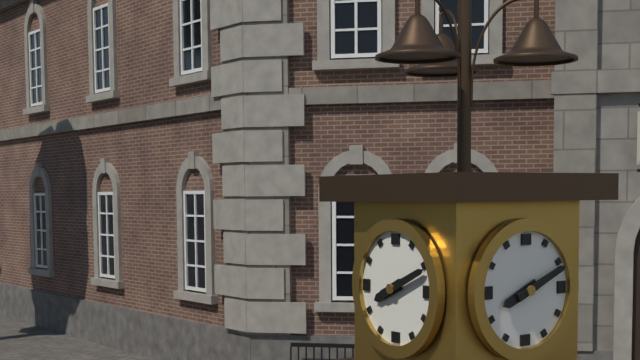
**8:11**
